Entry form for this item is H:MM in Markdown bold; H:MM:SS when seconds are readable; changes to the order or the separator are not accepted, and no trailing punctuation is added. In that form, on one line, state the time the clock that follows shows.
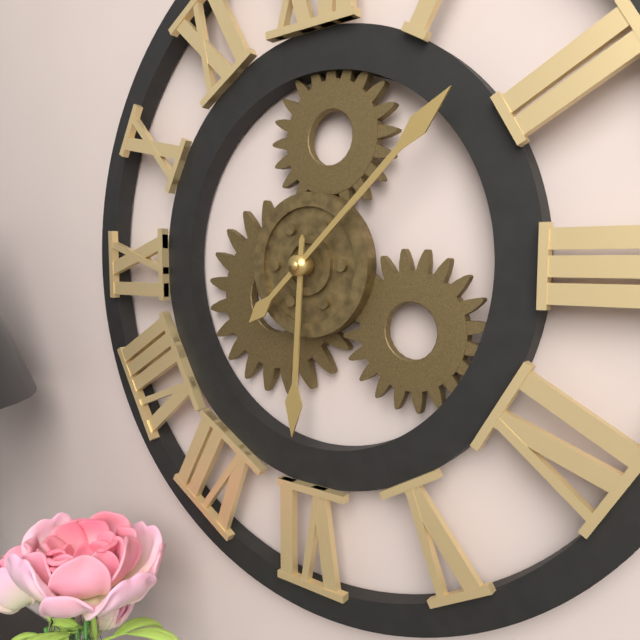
**6:08**
